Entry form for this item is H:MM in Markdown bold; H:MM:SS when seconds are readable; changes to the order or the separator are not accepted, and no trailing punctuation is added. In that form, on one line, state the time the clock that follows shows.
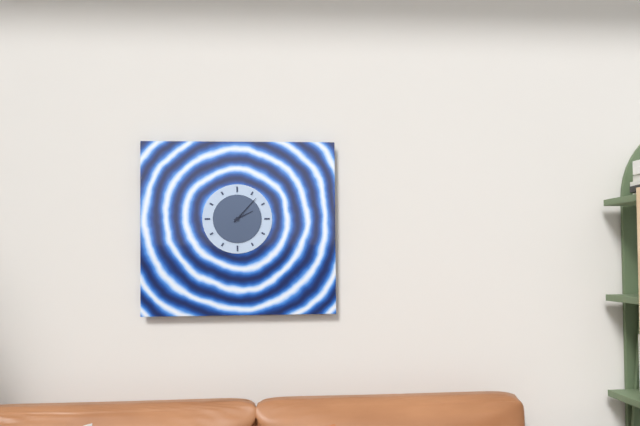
**2:07**
